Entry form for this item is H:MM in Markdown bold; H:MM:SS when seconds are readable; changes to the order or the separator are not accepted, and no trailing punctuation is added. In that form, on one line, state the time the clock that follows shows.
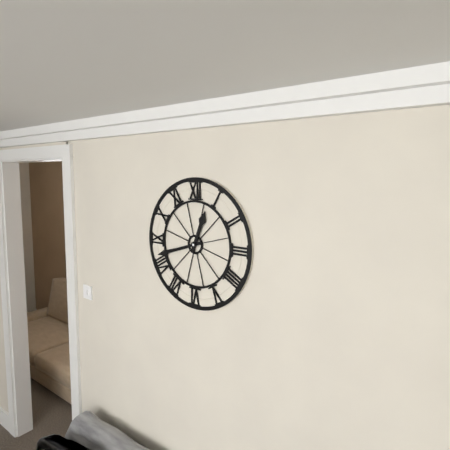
**12:42**
